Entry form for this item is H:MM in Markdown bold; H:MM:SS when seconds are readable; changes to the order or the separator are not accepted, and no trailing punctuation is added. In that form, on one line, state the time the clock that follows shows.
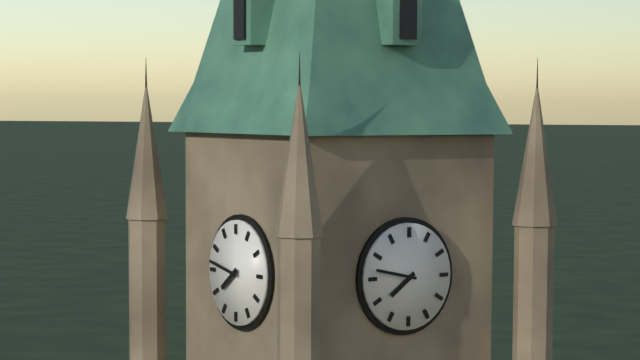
**7:47**
